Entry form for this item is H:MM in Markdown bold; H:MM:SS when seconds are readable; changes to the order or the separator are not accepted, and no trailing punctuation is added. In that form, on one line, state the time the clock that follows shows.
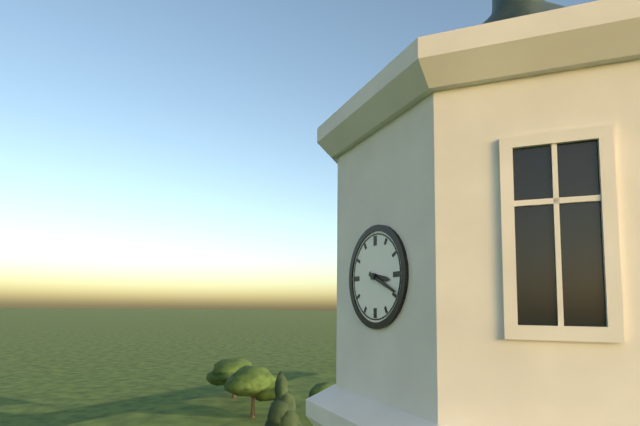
**3:19**
